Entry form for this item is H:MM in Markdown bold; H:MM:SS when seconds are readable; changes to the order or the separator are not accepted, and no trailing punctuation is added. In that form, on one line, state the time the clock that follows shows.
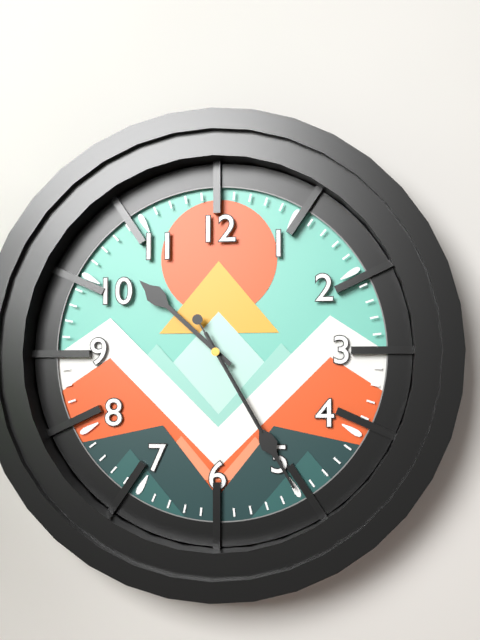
**10:25:25**
